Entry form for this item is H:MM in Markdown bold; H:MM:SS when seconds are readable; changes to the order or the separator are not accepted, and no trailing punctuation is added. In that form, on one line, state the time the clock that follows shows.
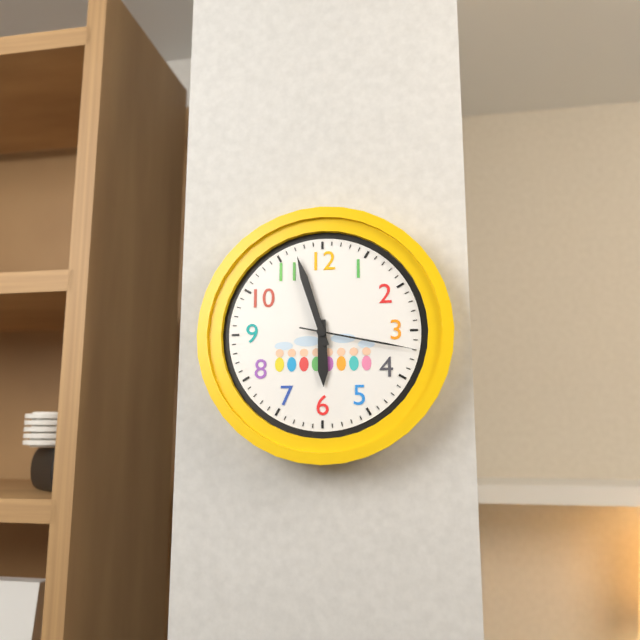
**5:57:17**
